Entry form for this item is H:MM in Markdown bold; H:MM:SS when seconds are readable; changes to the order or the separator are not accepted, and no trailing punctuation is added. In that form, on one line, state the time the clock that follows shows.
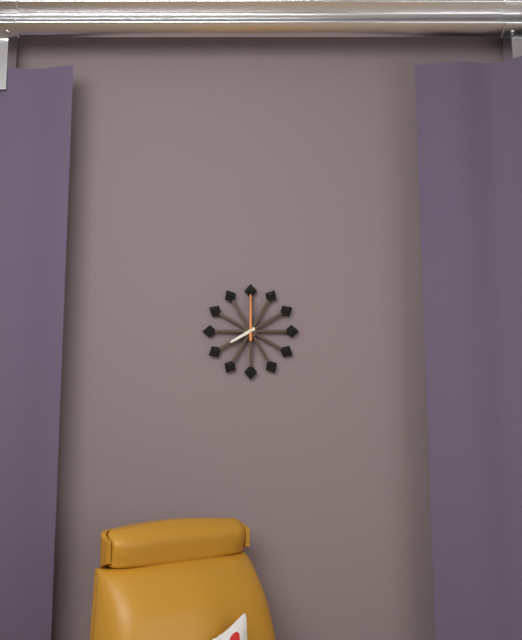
**8:00**
